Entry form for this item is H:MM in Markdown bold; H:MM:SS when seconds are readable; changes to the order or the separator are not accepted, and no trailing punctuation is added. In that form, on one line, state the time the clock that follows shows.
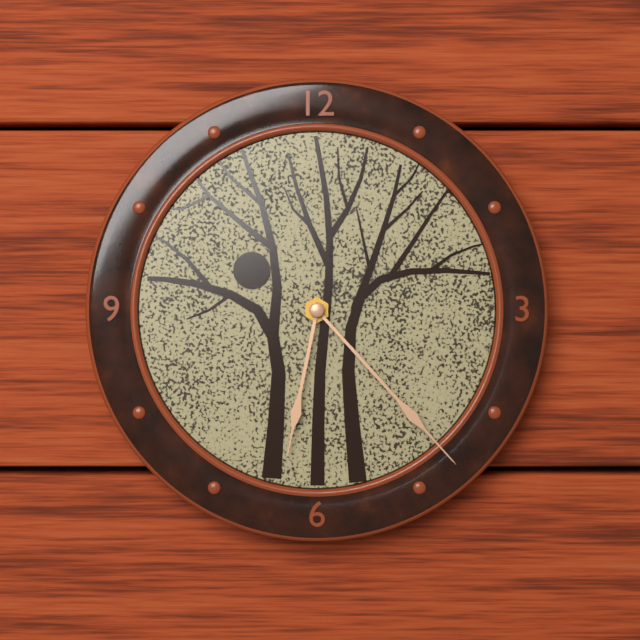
**6:23**
